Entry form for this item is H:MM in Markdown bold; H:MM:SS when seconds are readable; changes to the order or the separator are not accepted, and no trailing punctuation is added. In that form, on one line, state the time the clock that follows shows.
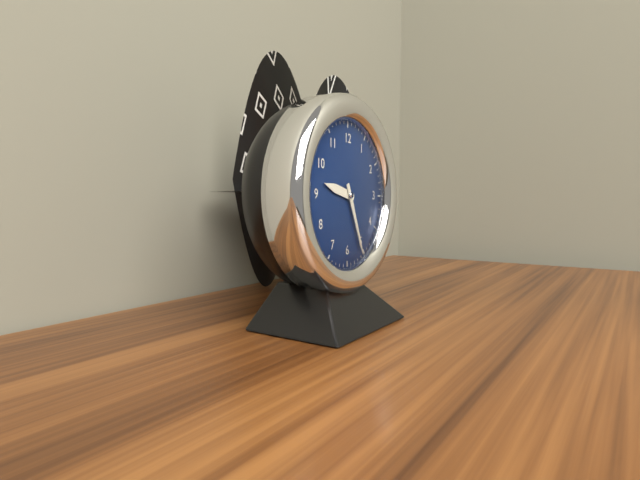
**9:26**
